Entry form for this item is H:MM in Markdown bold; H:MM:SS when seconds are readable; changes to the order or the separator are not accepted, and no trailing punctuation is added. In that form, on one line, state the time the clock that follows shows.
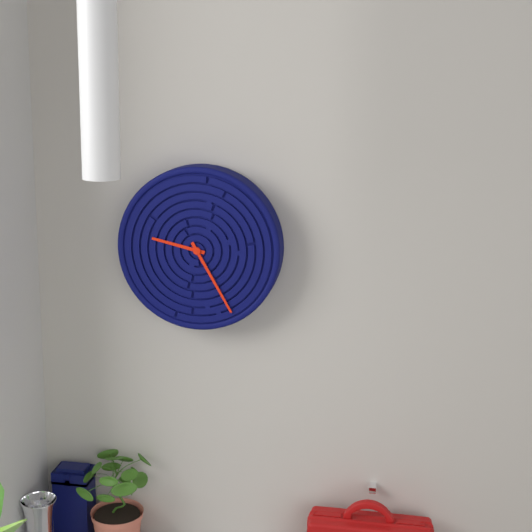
**9:25**
